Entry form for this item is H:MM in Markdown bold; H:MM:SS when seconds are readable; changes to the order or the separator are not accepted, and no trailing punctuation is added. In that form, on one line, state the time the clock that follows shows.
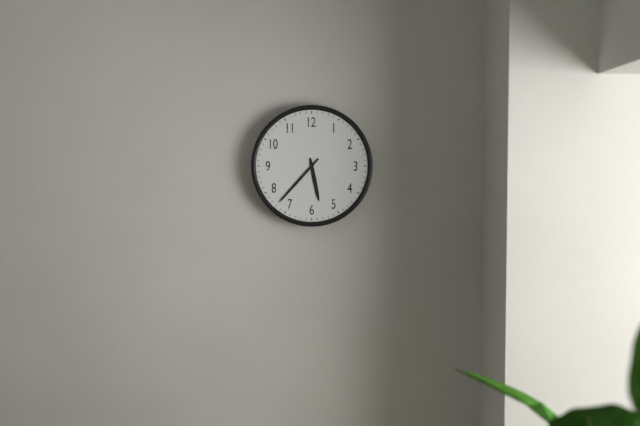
**5:37**
